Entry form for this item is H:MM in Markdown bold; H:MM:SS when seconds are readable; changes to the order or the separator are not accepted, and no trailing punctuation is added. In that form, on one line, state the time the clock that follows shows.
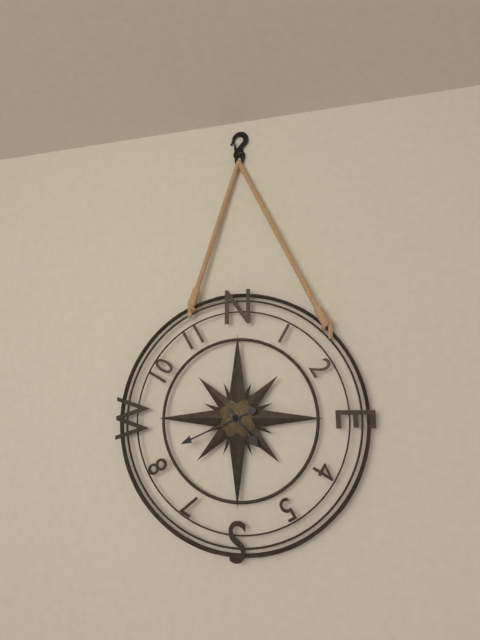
**4:41**
